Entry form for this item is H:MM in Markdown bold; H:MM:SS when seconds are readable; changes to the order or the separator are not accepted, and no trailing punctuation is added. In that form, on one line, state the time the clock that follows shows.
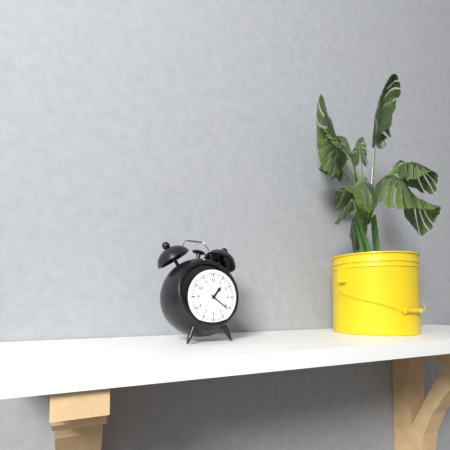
**1:21**
